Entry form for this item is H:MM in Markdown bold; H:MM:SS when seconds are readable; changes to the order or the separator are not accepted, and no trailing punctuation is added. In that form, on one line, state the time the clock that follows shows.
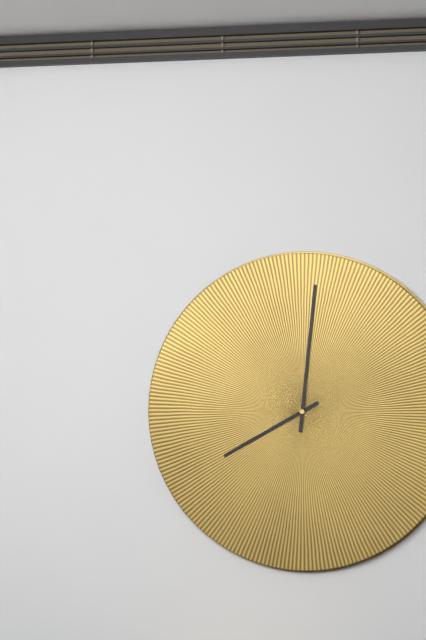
**8:01**
